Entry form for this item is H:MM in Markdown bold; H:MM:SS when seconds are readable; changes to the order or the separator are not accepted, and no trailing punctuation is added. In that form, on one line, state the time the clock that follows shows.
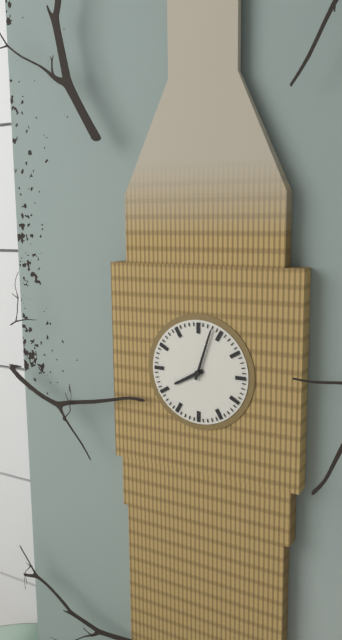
**8:03**
